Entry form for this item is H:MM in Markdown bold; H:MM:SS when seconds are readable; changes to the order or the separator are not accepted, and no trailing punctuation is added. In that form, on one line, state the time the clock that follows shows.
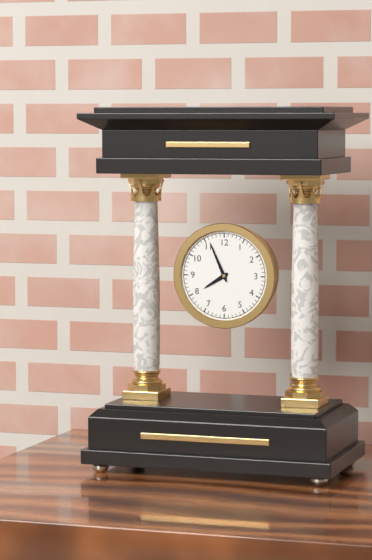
**7:56**
